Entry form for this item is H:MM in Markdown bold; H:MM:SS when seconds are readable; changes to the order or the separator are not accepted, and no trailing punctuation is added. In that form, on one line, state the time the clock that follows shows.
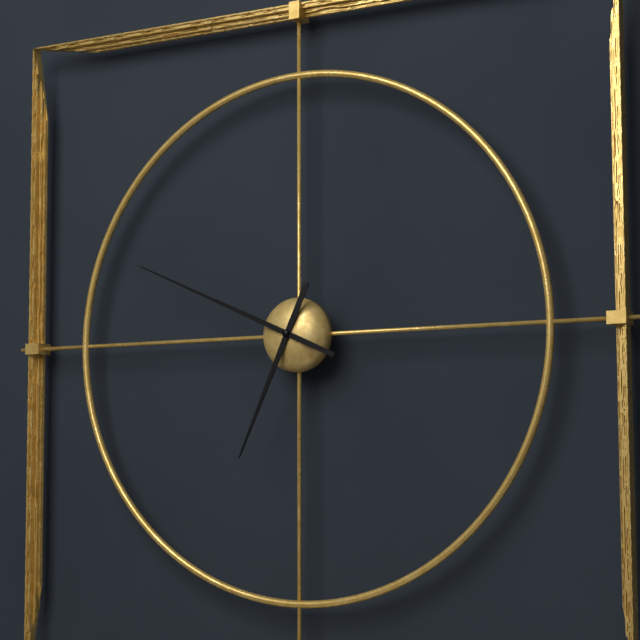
**6:49**
